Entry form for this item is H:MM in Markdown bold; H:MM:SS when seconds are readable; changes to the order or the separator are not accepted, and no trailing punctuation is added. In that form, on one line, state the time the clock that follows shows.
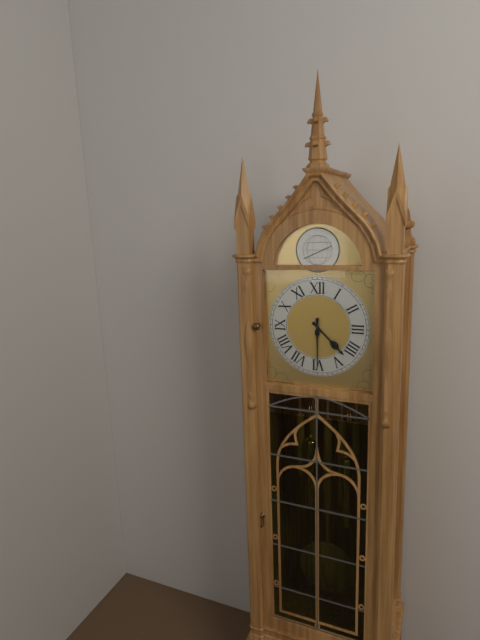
**4:30**
